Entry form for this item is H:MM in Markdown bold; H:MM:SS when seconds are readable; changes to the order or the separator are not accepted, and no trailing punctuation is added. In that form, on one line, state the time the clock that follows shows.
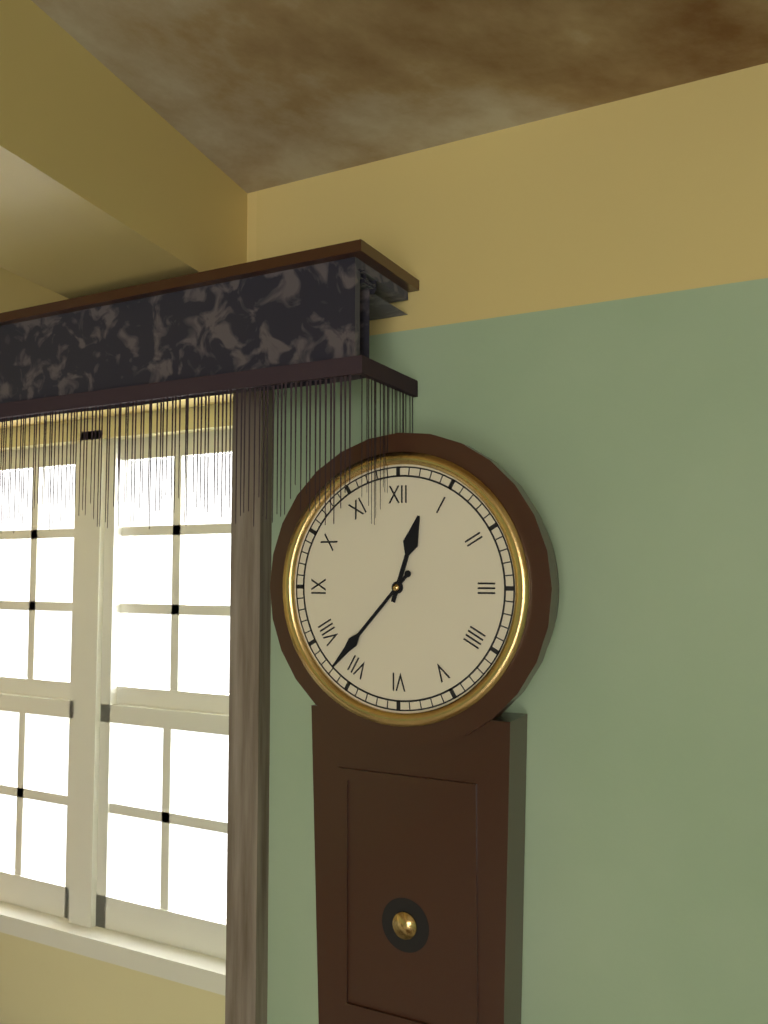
**12:37**
